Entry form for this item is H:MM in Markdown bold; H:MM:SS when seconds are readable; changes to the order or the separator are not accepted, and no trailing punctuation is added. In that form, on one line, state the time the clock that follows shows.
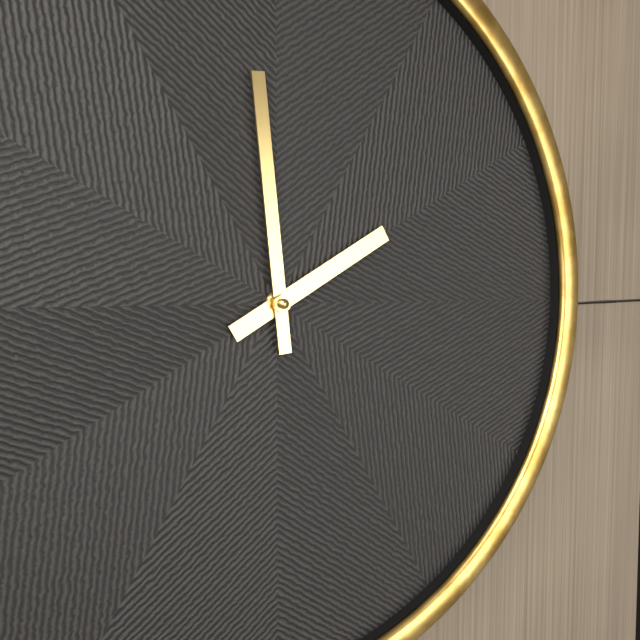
**1:59**
